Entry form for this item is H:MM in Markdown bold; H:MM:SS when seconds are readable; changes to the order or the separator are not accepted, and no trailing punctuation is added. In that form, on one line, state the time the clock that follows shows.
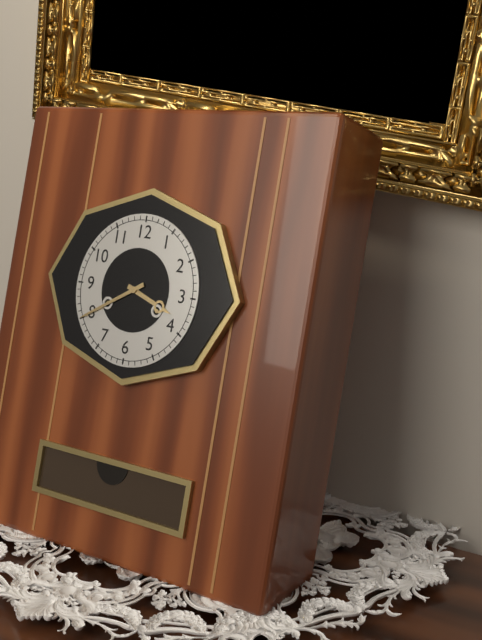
**3:40**
